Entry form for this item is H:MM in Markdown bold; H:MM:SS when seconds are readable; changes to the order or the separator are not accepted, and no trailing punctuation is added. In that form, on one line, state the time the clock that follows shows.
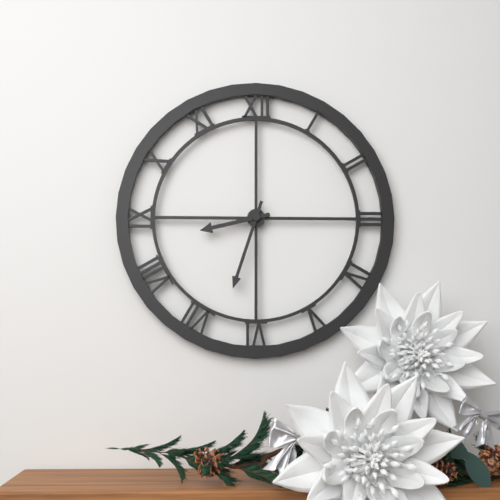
**8:33**
